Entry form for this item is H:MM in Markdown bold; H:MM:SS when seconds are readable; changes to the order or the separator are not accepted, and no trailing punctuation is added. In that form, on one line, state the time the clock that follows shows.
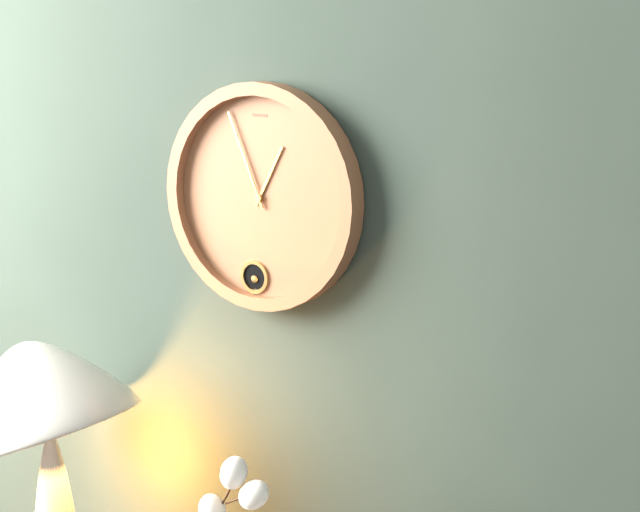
**12:56**
